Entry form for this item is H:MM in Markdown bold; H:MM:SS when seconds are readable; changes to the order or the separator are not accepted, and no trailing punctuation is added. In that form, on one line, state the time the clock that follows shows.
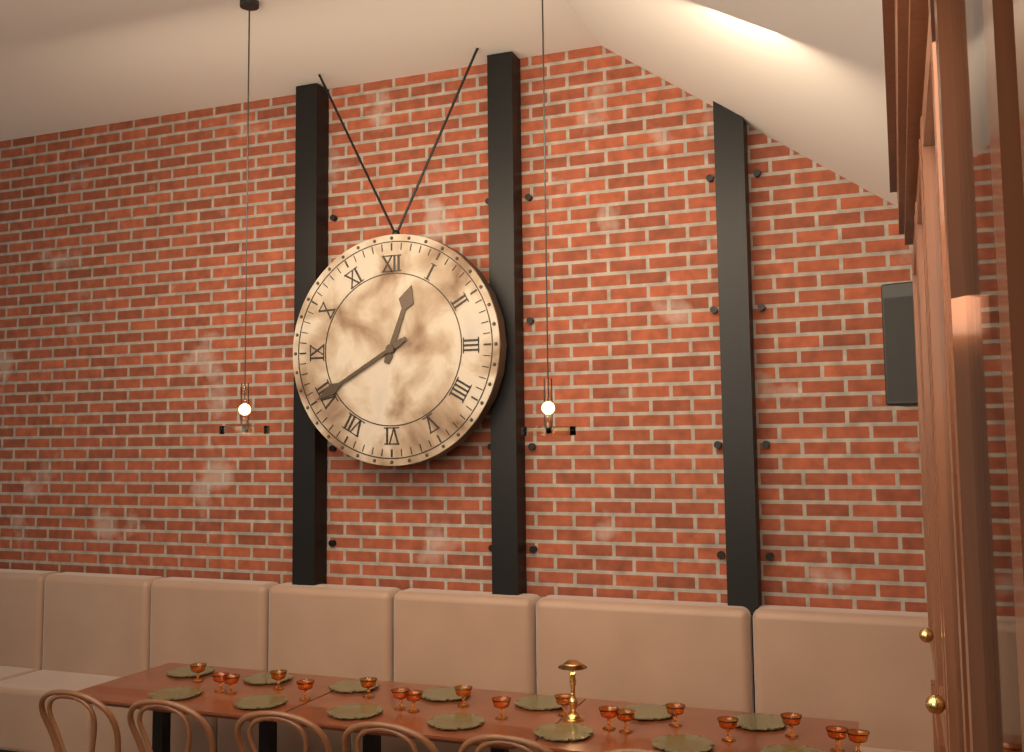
**12:40**
